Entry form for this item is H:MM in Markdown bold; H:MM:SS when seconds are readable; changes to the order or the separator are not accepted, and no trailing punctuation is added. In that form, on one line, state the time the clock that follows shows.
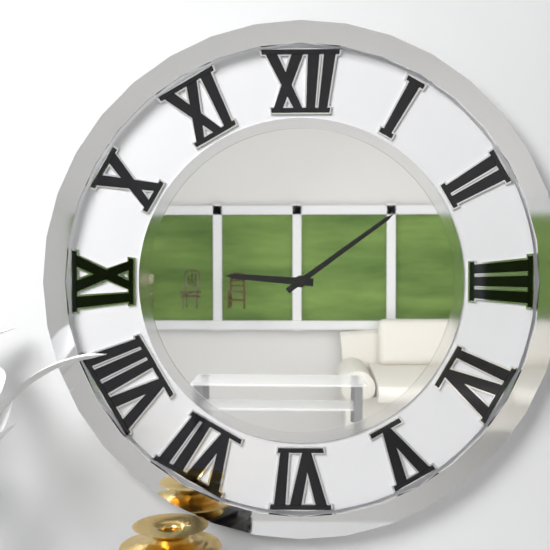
**9:09**
